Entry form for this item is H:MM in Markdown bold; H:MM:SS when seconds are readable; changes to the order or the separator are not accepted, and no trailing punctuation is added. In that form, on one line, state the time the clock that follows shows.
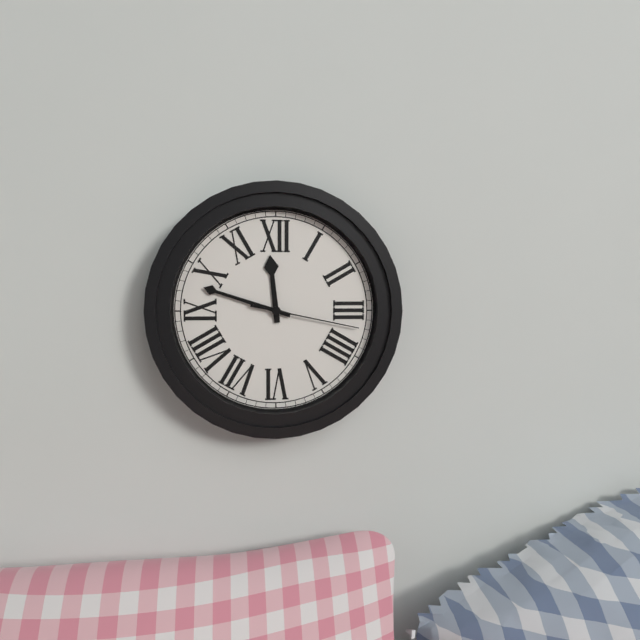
**11:48:17**
